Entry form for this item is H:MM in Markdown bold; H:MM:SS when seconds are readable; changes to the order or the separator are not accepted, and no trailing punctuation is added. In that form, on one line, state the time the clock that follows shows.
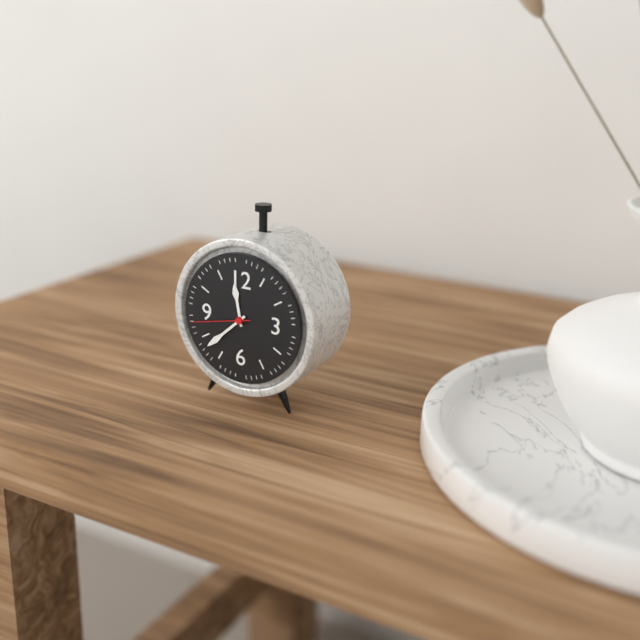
**11:38:43**
